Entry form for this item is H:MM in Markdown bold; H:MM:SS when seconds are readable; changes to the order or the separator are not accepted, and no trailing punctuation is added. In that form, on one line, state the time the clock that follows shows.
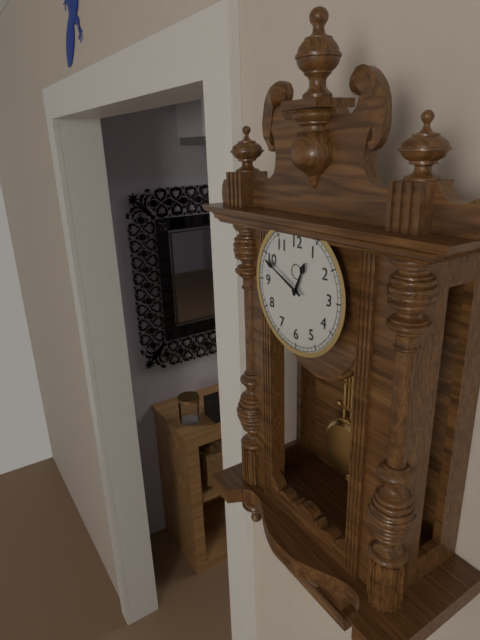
**12:49**
